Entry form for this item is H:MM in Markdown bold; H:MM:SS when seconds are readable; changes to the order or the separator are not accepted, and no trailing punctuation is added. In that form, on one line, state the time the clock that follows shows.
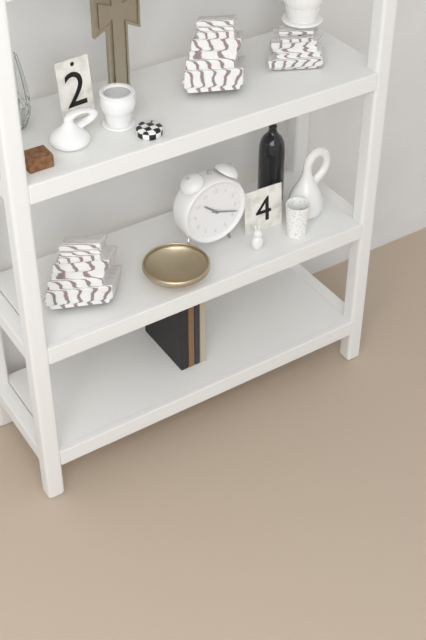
**10:18**
